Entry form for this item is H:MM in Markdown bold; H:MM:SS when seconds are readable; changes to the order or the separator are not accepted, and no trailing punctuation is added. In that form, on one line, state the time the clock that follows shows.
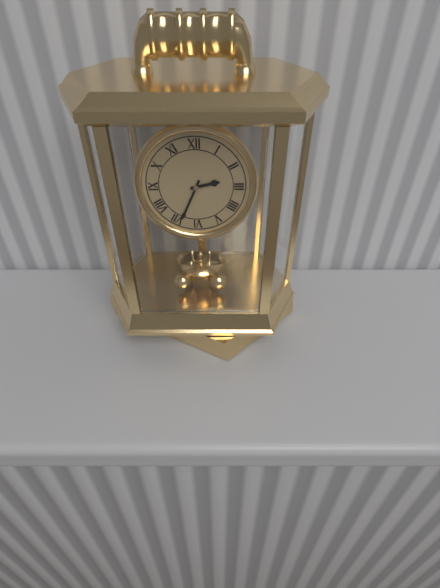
**2:34**
